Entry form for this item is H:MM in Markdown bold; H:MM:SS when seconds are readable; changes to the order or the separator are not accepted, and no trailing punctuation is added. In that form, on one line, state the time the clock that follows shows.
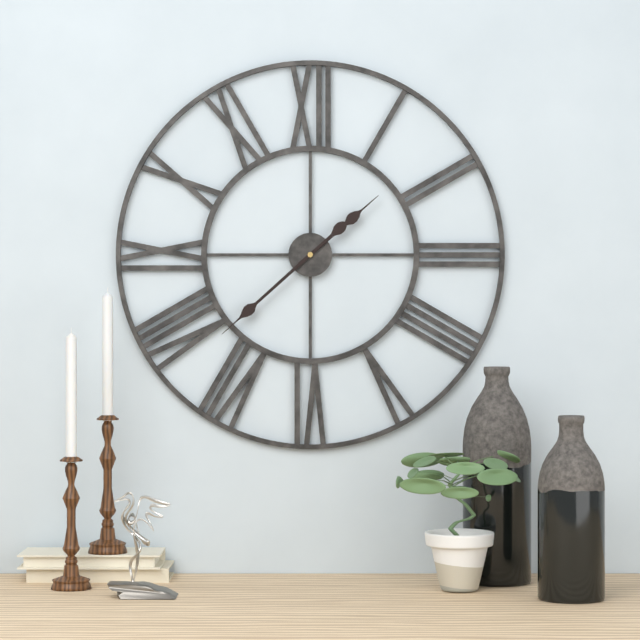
**1:38**
